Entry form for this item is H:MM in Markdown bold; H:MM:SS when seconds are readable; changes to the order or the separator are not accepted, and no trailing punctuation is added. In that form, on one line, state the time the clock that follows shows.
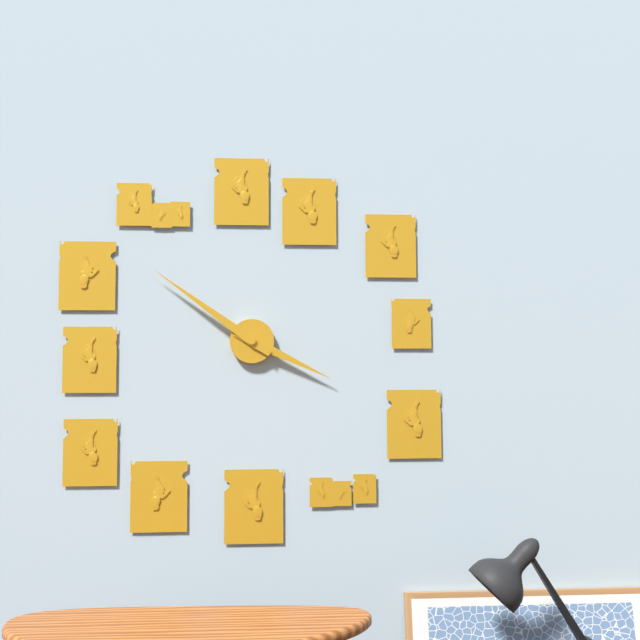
**3:51**
